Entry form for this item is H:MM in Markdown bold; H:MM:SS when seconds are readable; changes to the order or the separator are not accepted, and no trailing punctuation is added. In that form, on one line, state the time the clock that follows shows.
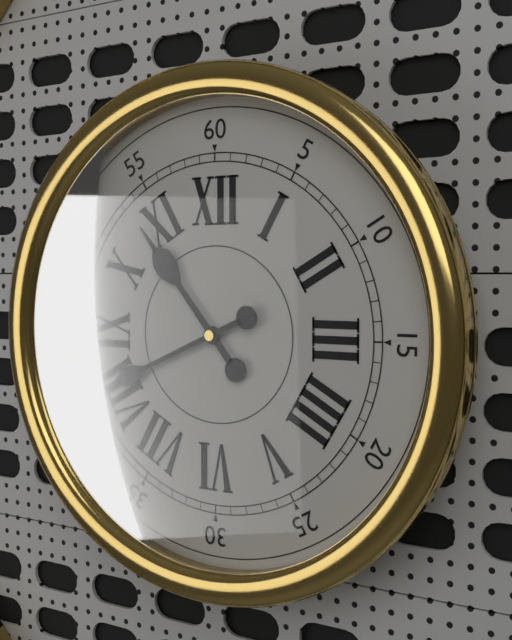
**10:41**
